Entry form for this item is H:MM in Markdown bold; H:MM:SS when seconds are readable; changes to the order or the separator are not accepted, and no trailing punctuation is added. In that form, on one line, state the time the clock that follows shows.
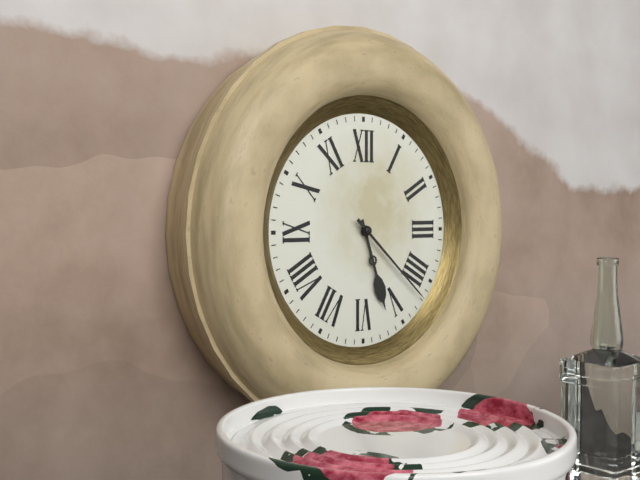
**5:22**
